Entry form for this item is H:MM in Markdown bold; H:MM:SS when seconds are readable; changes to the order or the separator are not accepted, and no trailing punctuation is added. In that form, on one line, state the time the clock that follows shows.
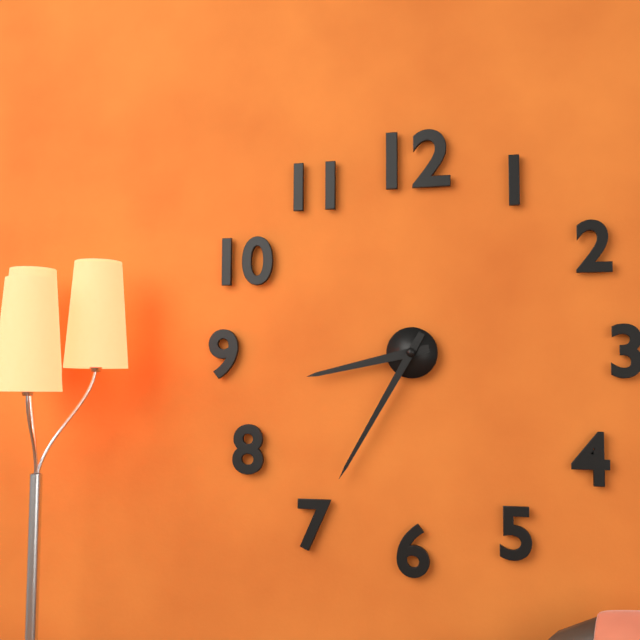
**8:35**
